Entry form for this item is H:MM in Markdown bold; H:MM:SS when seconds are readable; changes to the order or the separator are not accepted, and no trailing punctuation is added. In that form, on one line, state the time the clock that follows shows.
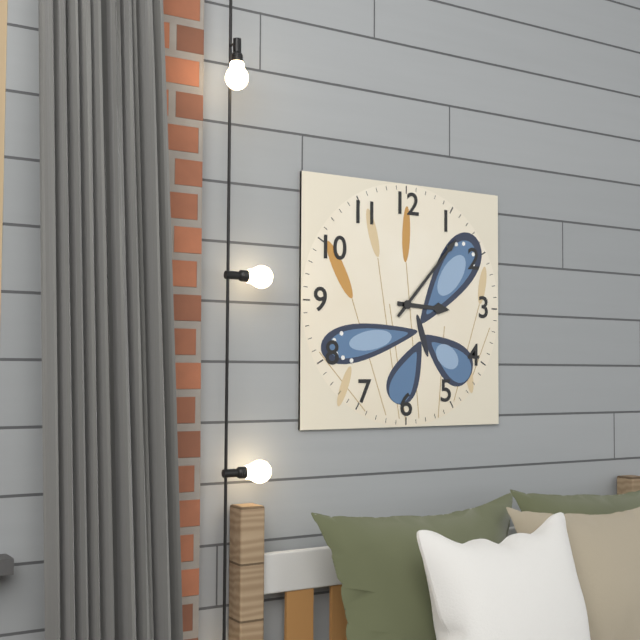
**3:07**
